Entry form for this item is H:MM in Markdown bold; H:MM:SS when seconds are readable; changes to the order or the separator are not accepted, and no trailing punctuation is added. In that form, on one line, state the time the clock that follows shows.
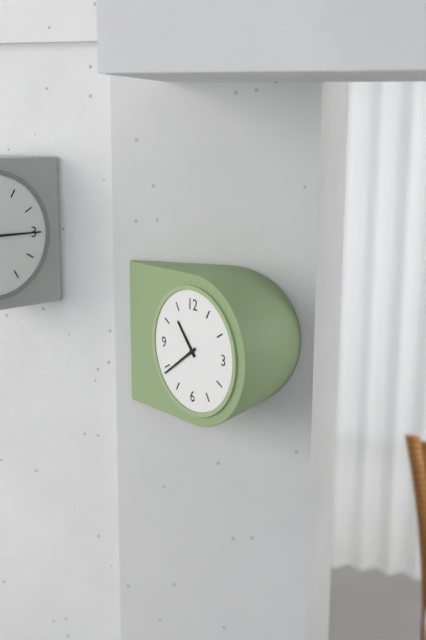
**10:39**
